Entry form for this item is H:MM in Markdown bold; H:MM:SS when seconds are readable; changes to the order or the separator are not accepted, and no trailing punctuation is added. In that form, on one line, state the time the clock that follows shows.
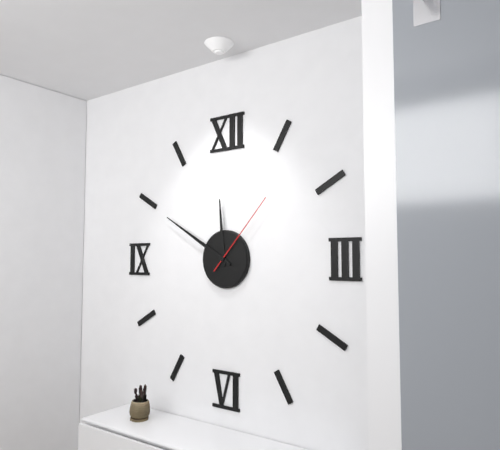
**11:50:07**
